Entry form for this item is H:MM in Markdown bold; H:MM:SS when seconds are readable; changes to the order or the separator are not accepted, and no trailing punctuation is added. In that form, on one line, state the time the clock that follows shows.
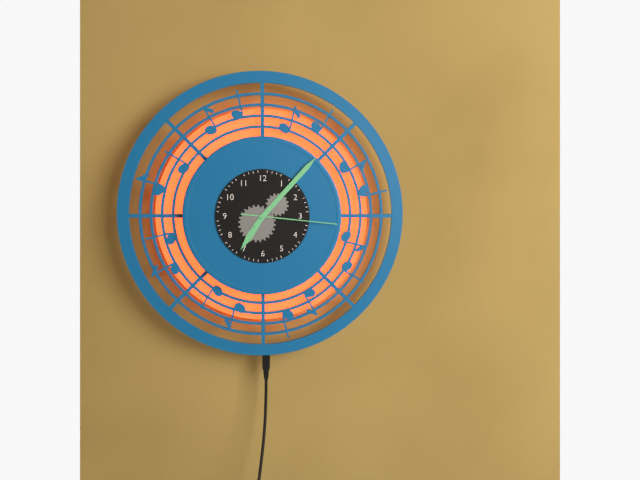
**7:07:16**
